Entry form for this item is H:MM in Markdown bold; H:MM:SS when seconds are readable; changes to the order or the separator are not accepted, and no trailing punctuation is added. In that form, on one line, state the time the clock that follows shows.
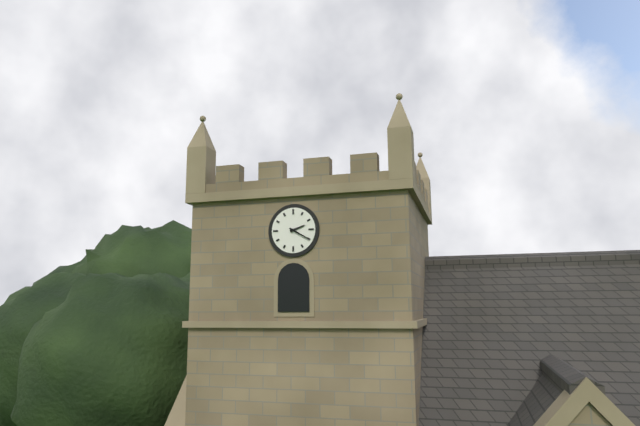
**2:20**
